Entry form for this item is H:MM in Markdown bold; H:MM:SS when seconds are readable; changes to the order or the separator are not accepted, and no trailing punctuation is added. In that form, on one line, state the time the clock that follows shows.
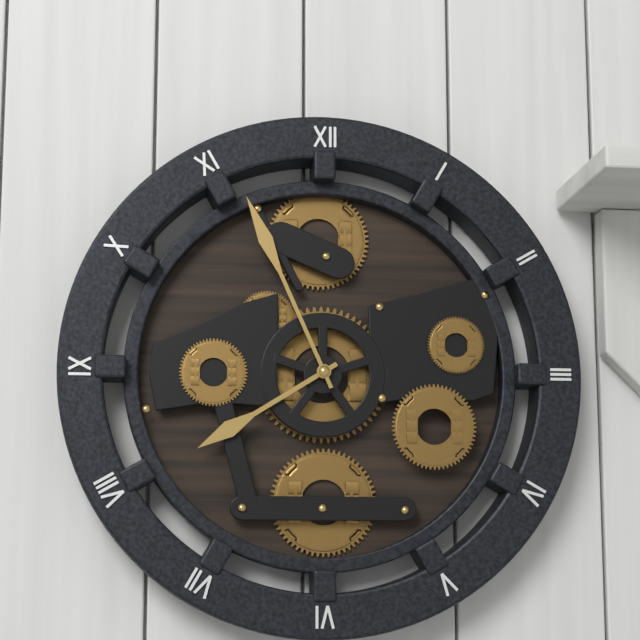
**7:56**
